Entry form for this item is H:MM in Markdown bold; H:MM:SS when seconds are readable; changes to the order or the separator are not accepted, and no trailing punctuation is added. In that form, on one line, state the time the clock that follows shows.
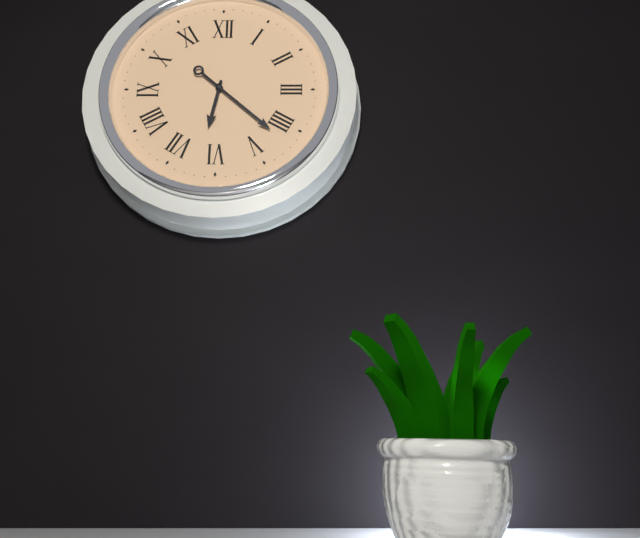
**6:22**
